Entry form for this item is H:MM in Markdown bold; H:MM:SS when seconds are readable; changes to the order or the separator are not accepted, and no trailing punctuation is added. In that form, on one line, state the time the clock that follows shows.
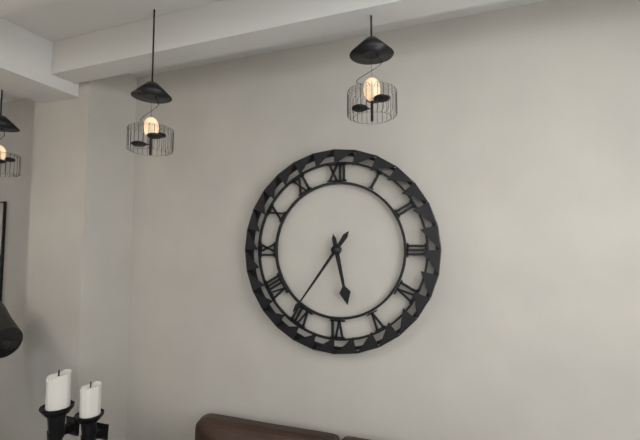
**5:36**
